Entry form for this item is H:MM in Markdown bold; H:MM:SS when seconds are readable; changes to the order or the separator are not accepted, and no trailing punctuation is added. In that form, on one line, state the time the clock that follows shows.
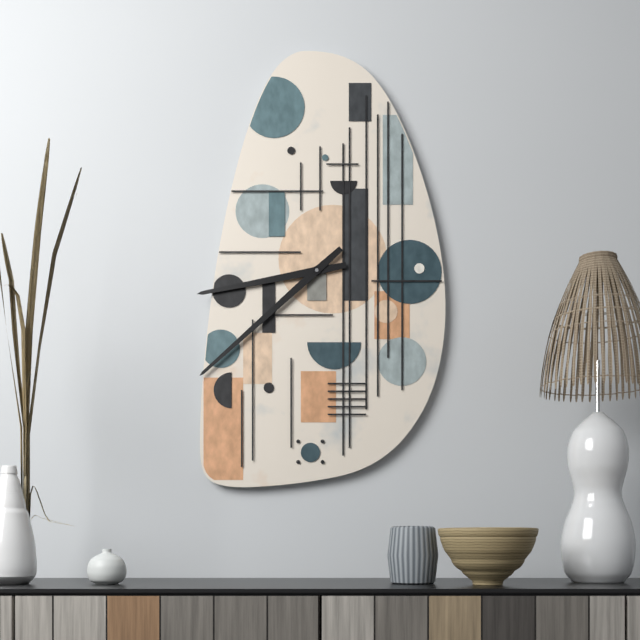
**8:38**
